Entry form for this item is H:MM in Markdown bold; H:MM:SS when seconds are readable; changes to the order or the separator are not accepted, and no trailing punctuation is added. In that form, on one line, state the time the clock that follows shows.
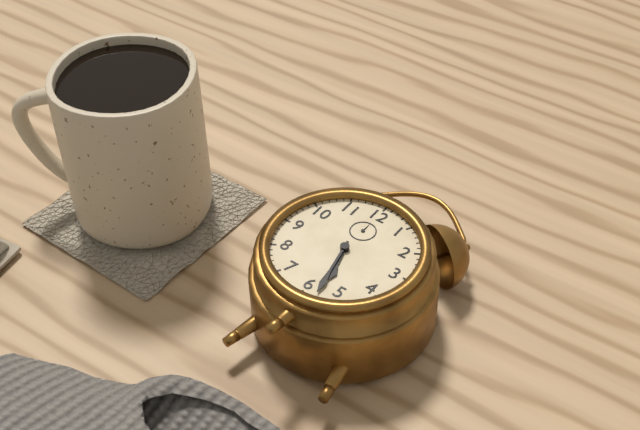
**5:28**
